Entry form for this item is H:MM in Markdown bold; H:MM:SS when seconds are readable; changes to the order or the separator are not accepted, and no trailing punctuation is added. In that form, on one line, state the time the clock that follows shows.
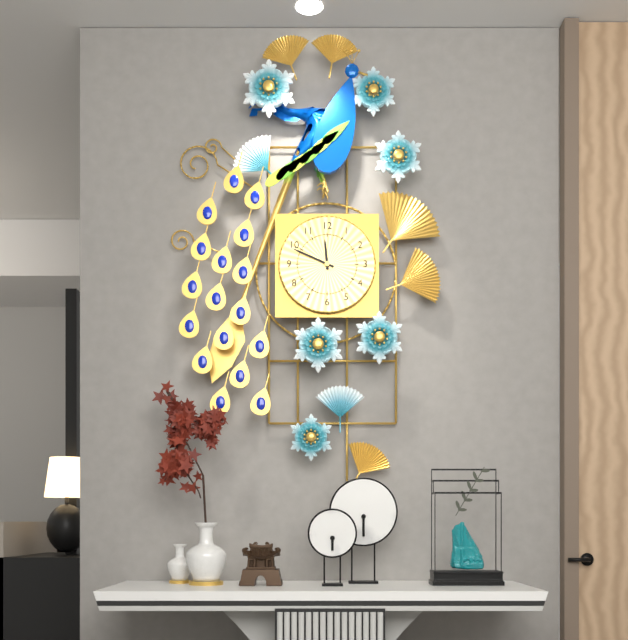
**11:49**
